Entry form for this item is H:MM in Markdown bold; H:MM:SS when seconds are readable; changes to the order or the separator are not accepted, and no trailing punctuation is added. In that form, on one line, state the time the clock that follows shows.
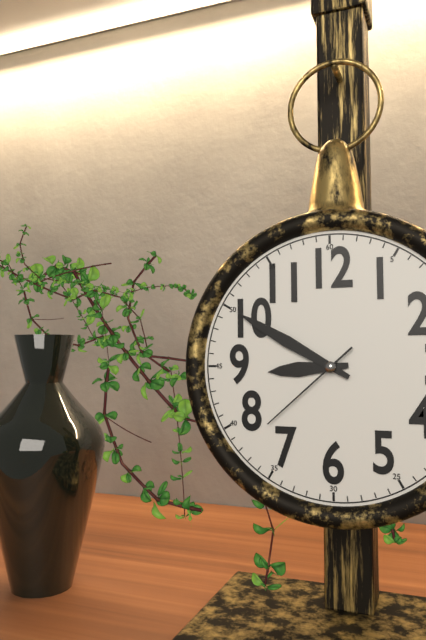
**8:50:38**
